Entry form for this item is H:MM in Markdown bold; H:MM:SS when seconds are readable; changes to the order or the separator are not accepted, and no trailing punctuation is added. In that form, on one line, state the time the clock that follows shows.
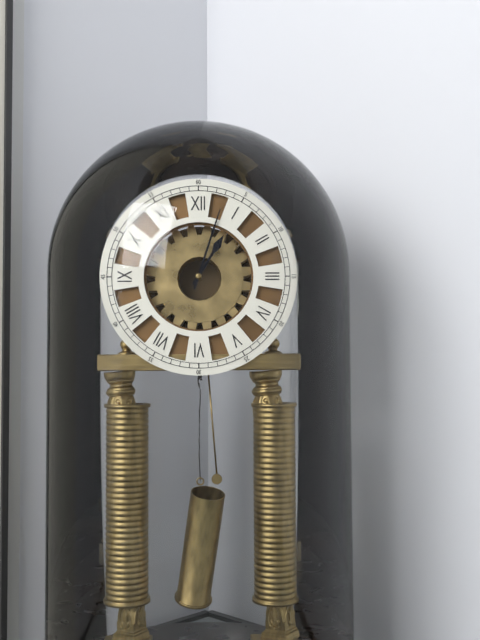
**1:03**
